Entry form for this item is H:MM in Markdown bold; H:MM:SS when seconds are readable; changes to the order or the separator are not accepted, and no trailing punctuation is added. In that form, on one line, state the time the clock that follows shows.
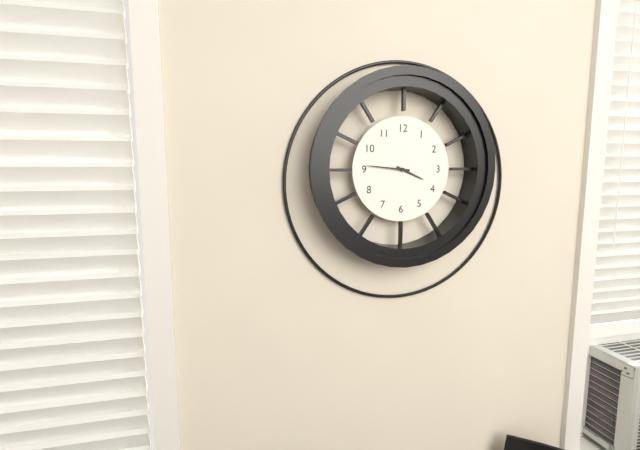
**3:46**
